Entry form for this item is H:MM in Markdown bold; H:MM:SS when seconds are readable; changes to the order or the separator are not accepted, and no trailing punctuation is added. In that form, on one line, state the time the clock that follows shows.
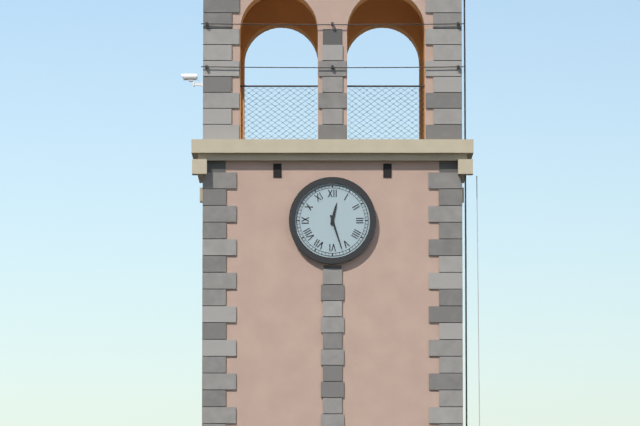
**12:27**
